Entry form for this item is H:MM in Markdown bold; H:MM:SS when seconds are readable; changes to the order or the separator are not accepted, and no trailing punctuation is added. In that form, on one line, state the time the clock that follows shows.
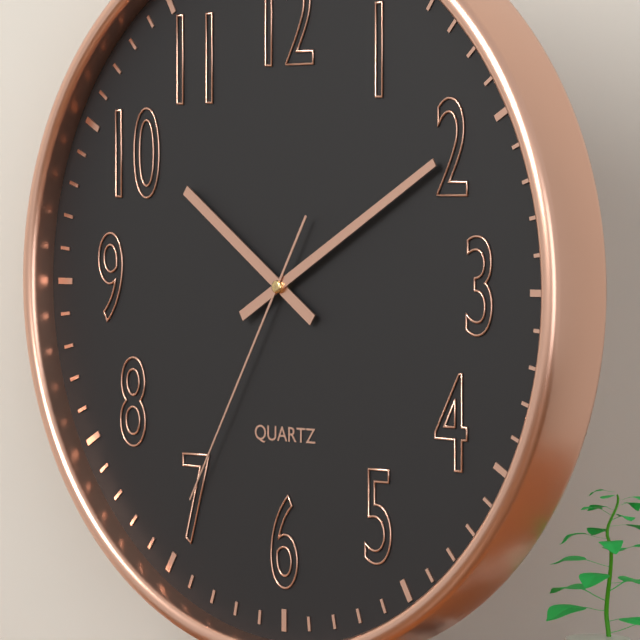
**10:10:35**
